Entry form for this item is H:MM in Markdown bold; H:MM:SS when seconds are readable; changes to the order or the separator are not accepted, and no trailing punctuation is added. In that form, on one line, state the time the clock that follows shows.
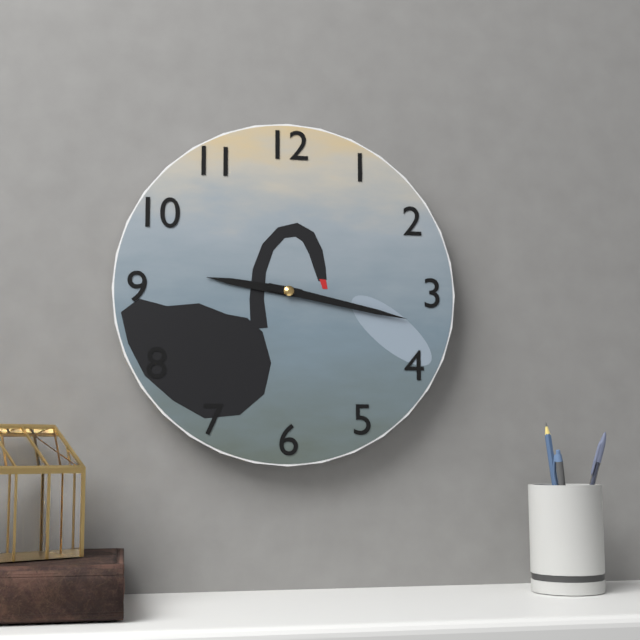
**9:17**
